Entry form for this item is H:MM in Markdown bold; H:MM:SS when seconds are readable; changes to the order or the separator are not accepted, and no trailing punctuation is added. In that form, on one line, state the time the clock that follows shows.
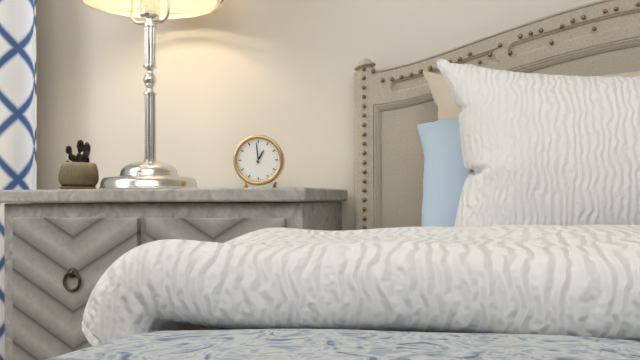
**12:59**
